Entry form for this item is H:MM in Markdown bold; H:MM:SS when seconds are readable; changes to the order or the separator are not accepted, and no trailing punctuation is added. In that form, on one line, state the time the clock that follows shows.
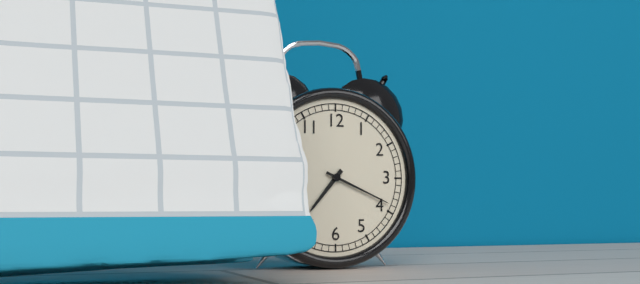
**7:19**
